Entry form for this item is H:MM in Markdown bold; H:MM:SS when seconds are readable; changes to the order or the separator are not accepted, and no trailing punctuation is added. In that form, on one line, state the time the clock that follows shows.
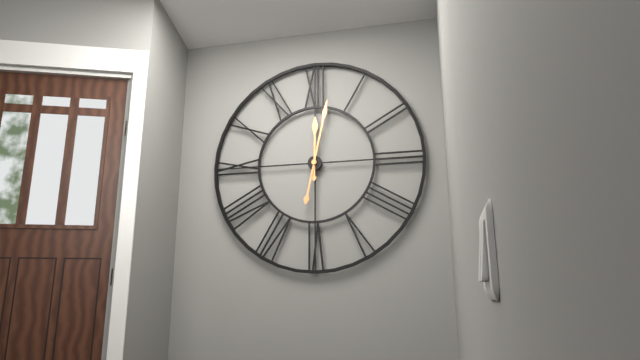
**12:02**
